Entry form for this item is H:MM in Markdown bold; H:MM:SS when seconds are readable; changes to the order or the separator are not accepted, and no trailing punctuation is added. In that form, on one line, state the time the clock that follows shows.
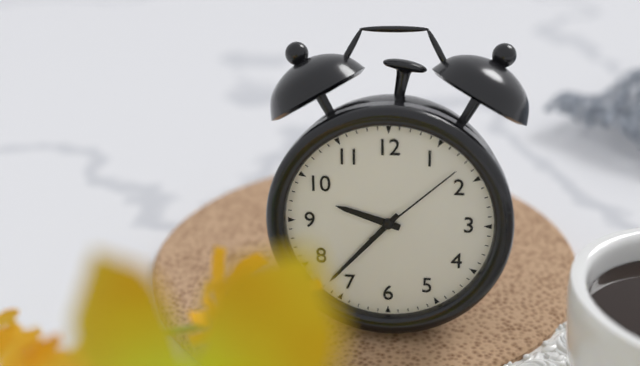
**9:37:08**
